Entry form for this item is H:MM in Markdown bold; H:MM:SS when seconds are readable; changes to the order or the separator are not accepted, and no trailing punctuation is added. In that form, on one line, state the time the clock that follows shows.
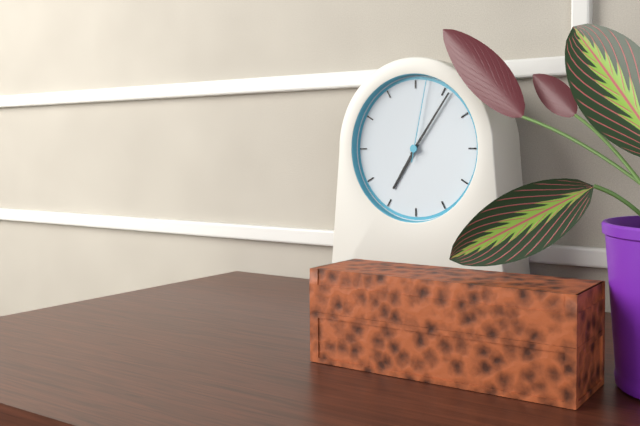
**7:06:02**
